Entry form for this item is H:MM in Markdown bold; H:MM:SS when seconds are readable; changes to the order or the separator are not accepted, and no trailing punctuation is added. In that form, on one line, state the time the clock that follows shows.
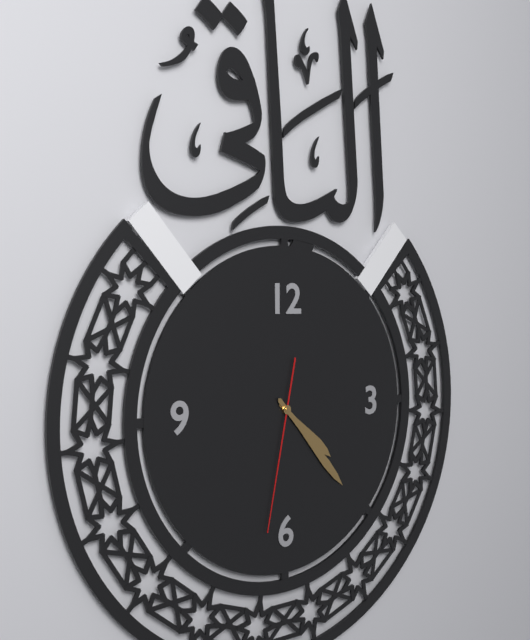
**4:23:32**
